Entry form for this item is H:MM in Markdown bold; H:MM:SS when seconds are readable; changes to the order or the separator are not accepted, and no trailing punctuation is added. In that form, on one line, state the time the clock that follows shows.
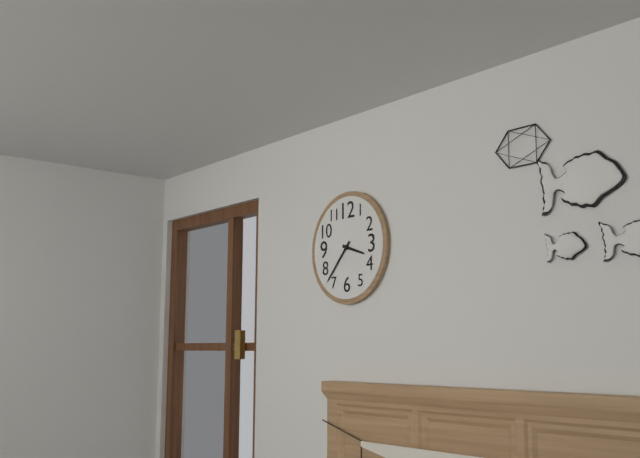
**3:37**
